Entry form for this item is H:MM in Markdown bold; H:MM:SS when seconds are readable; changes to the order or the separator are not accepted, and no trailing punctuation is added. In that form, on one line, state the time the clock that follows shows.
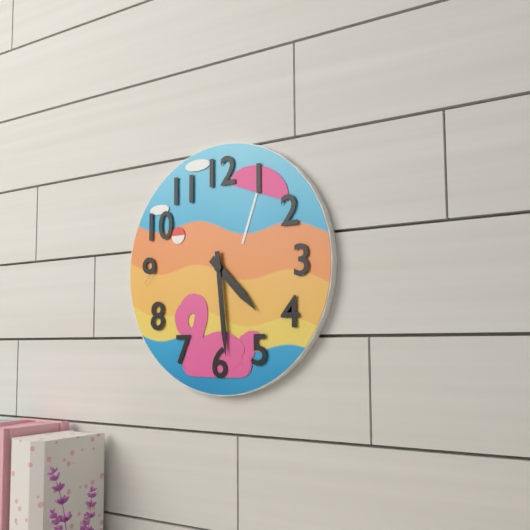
**4:29**
